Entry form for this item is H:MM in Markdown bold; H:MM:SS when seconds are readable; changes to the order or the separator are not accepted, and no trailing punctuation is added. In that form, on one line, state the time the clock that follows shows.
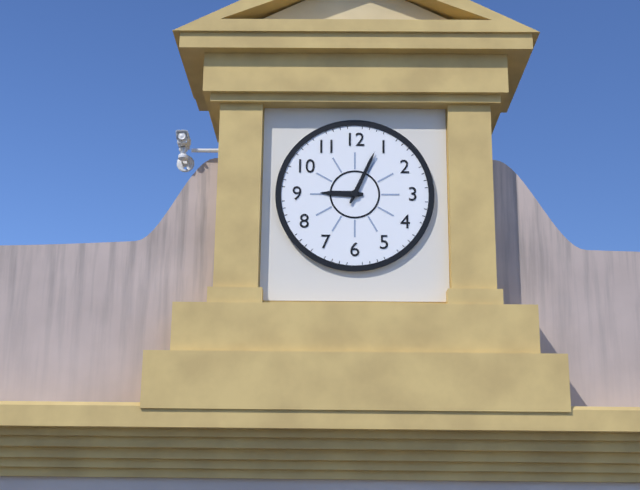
**9:04**
